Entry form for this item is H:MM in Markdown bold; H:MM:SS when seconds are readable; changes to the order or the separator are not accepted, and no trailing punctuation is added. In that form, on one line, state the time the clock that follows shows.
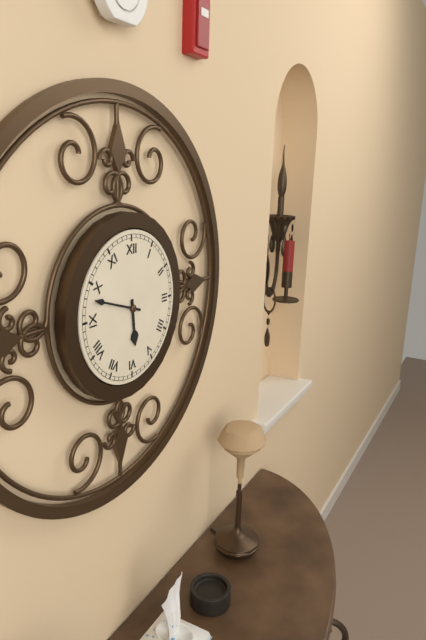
**5:48**
